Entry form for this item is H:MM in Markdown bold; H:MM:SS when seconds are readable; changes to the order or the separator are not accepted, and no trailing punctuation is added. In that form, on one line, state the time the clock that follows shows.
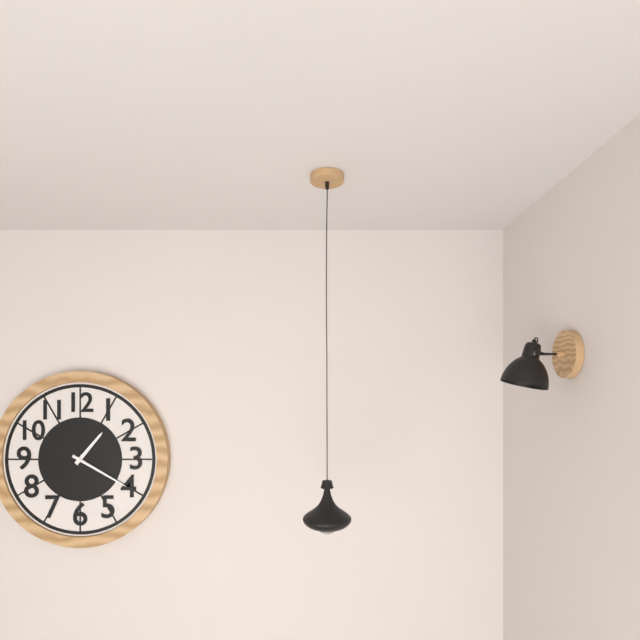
**1:20**
